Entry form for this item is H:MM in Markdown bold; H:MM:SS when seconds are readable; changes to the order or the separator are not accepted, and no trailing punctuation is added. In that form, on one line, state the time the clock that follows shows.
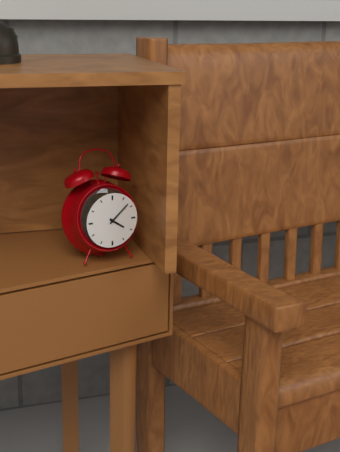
**4:08**
